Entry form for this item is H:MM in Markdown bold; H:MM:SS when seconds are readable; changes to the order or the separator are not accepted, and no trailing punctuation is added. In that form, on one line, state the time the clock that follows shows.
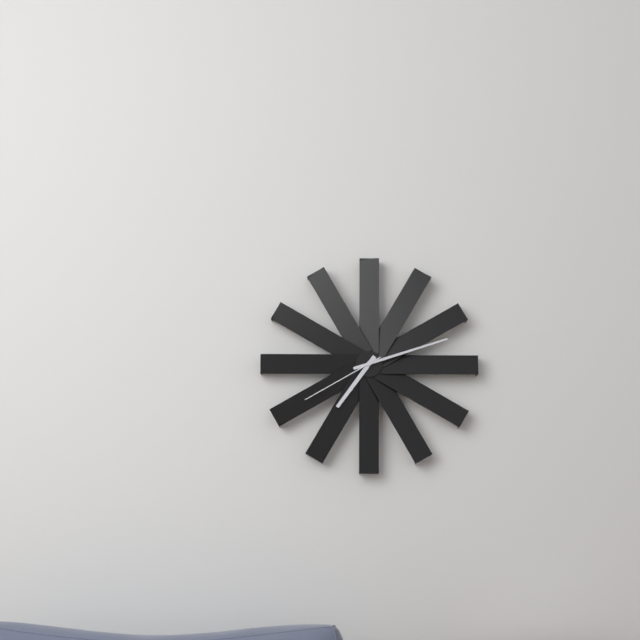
**7:12:40**
